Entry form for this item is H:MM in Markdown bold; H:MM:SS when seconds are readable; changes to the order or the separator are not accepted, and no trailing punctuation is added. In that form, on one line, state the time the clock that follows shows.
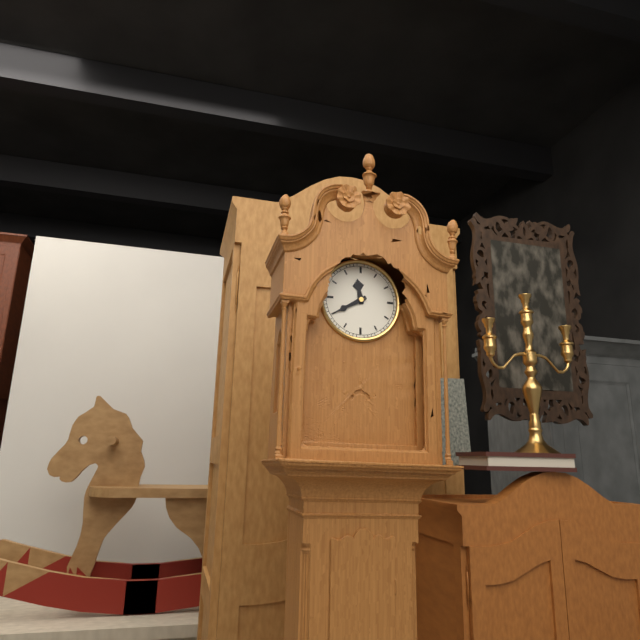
**11:40**
